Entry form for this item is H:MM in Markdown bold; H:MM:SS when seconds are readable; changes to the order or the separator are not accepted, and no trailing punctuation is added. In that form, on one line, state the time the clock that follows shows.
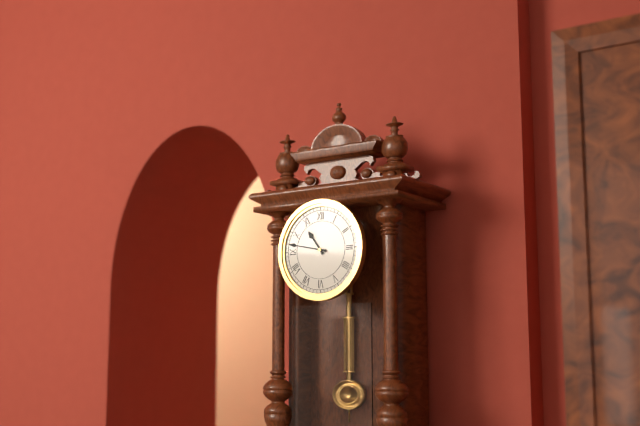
**10:47**
